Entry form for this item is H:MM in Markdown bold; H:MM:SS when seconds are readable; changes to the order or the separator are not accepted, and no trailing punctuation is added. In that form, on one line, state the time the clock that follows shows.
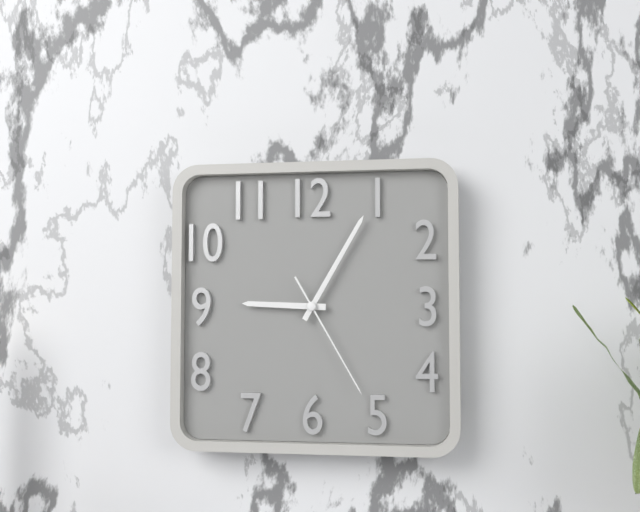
**9:05:25**
